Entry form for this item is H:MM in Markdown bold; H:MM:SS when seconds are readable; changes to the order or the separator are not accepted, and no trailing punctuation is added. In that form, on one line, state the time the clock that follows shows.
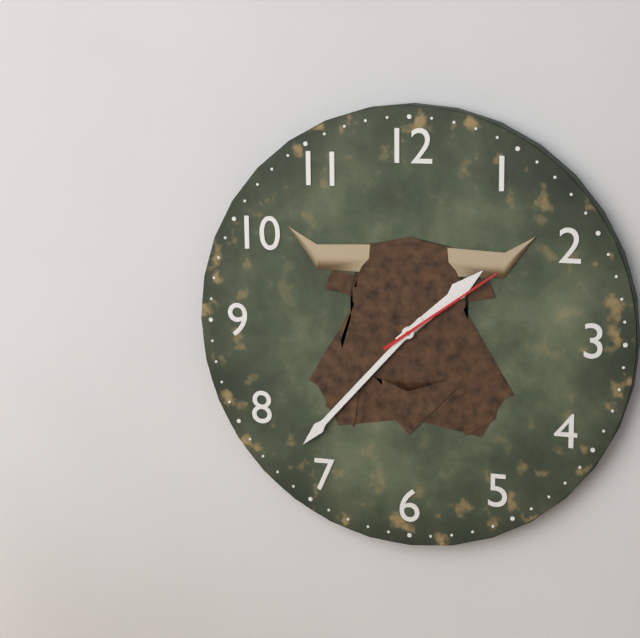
**1:37:09**
